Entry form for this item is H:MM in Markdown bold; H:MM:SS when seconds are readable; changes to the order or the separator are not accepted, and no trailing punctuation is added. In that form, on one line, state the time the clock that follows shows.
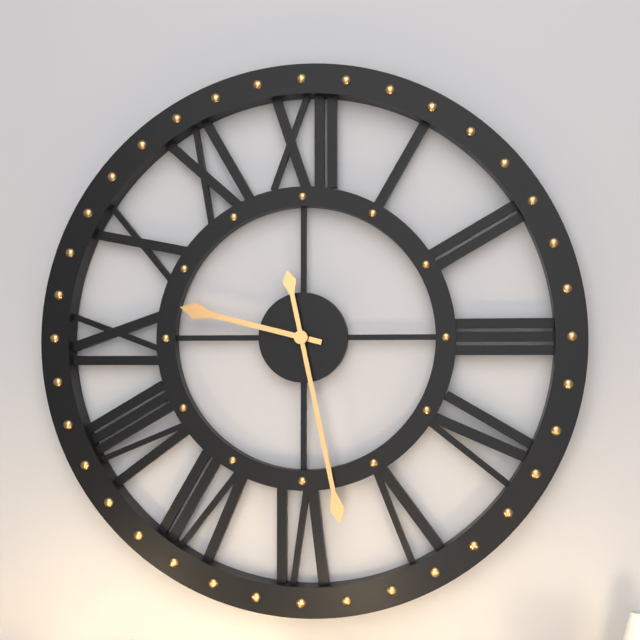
**9:28**
